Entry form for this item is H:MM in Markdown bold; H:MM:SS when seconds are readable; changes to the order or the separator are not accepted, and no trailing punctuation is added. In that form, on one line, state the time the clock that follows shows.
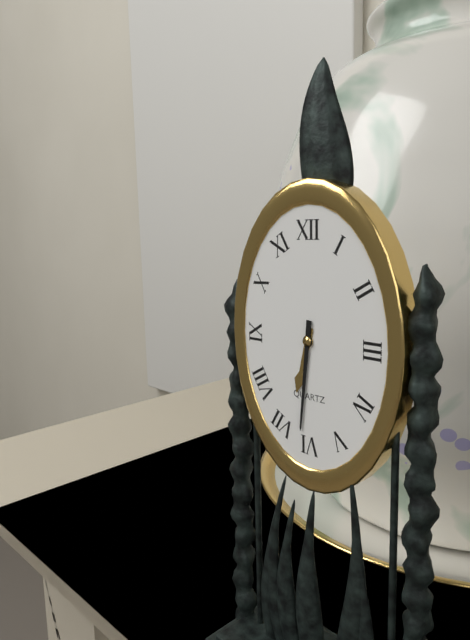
**6:31**
